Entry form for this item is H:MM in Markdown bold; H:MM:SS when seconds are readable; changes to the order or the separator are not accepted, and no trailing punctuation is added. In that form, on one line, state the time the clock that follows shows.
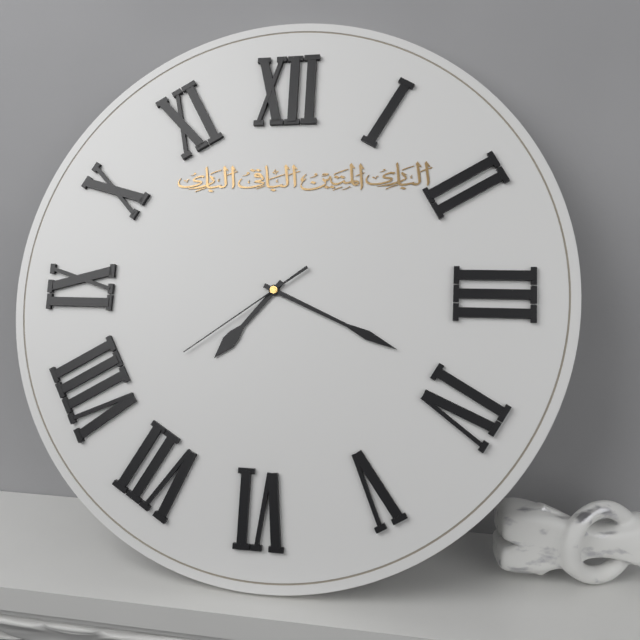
**7:19:39**
